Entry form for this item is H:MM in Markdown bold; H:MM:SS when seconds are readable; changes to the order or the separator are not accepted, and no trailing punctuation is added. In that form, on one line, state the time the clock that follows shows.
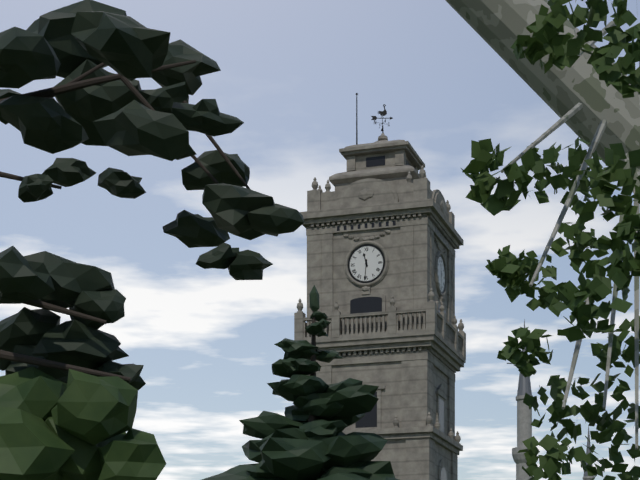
**11:31**
